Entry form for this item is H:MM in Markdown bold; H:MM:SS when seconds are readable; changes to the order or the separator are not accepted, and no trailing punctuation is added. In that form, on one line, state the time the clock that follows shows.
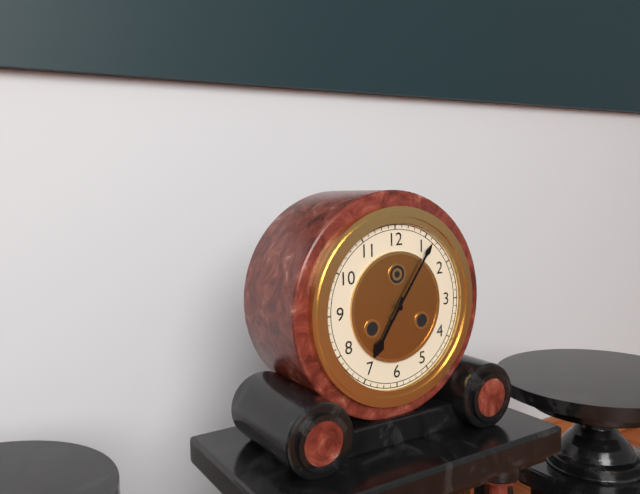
**7:06**
